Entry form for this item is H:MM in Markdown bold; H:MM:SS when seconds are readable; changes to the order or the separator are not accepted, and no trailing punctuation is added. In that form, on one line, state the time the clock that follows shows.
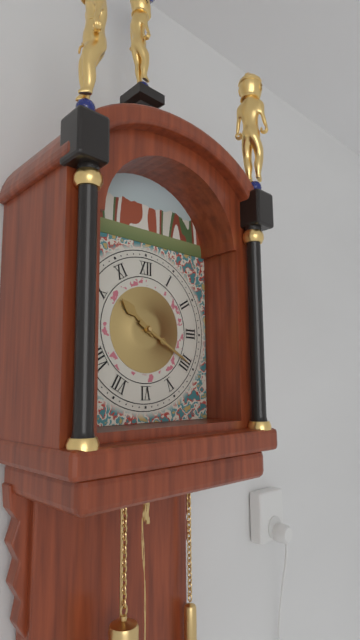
**10:20**
